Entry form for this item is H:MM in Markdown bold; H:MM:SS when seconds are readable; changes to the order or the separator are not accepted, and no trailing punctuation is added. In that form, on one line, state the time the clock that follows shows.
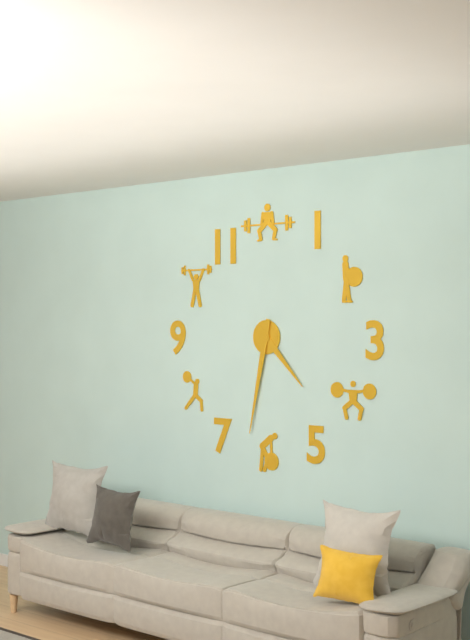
**4:32**
